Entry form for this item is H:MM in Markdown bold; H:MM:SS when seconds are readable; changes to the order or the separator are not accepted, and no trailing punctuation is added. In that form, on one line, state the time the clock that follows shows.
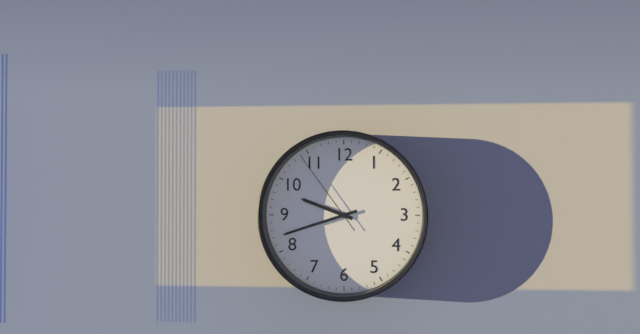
**9:42:54**
